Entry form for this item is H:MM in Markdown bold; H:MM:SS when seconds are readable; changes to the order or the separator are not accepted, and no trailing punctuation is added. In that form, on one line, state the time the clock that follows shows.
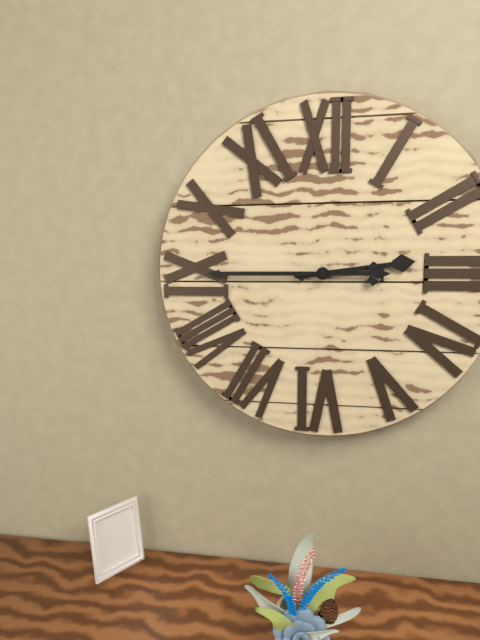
**2:45**
